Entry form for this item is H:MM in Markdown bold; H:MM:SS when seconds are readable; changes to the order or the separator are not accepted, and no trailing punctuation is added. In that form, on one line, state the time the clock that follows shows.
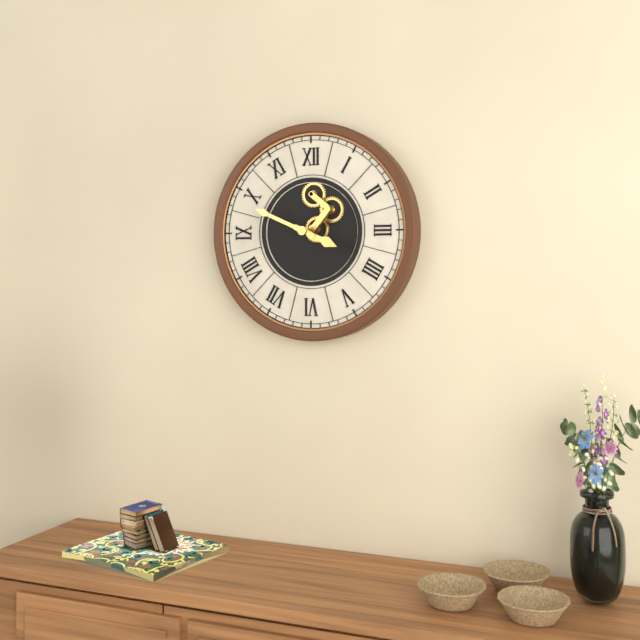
**3:49**
